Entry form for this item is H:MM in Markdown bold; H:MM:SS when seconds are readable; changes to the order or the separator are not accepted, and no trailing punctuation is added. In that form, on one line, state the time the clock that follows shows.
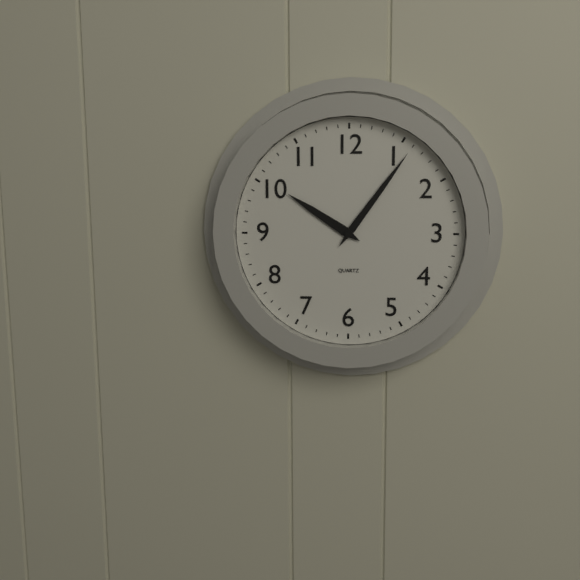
**10:06**
